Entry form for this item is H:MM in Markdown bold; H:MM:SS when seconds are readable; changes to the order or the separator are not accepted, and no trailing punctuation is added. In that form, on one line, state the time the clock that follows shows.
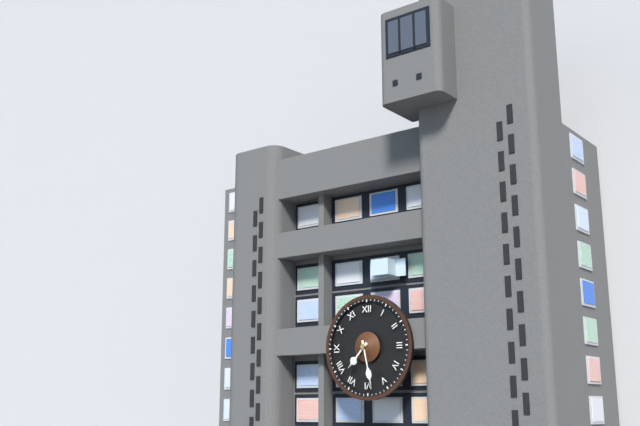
**7:28**
